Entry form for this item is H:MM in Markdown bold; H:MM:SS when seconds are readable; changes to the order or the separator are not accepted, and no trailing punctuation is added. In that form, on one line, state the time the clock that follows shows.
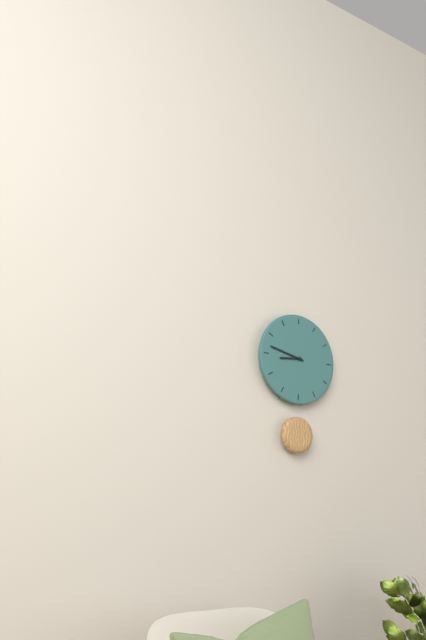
**8:47**
